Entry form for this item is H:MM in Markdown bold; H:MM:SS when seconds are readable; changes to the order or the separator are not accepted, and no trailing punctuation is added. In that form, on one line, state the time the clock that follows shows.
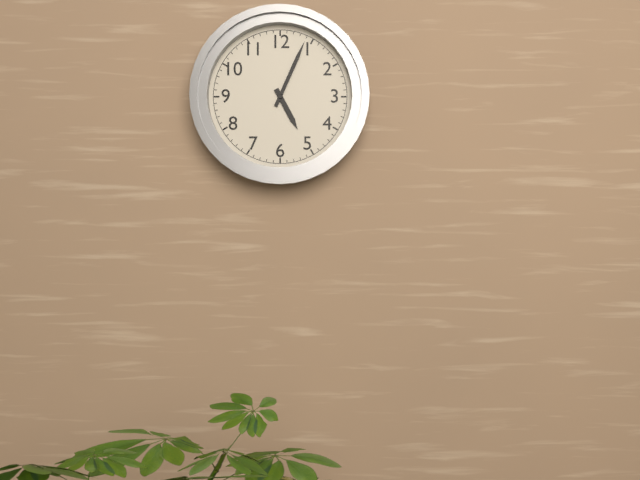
**5:04**
